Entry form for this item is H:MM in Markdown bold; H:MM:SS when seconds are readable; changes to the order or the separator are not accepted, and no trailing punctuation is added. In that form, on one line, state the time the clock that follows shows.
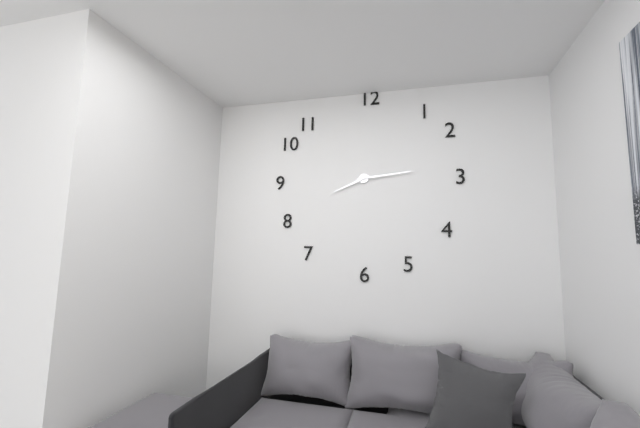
**8:14**
